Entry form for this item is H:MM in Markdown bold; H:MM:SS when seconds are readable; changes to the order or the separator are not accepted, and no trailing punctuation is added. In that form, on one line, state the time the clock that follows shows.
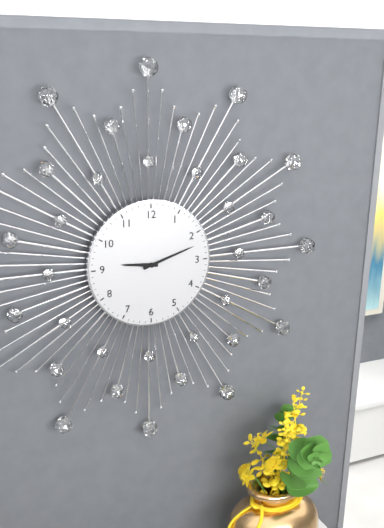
**9:12**
